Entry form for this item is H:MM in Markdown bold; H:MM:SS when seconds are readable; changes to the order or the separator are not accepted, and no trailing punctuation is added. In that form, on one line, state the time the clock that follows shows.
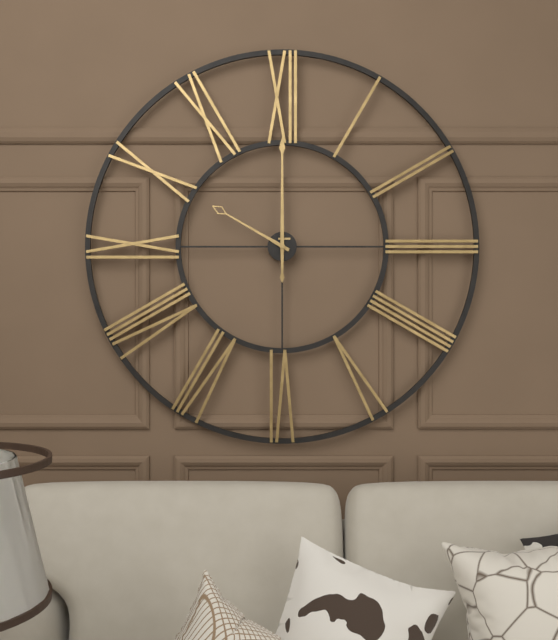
**10:00**
